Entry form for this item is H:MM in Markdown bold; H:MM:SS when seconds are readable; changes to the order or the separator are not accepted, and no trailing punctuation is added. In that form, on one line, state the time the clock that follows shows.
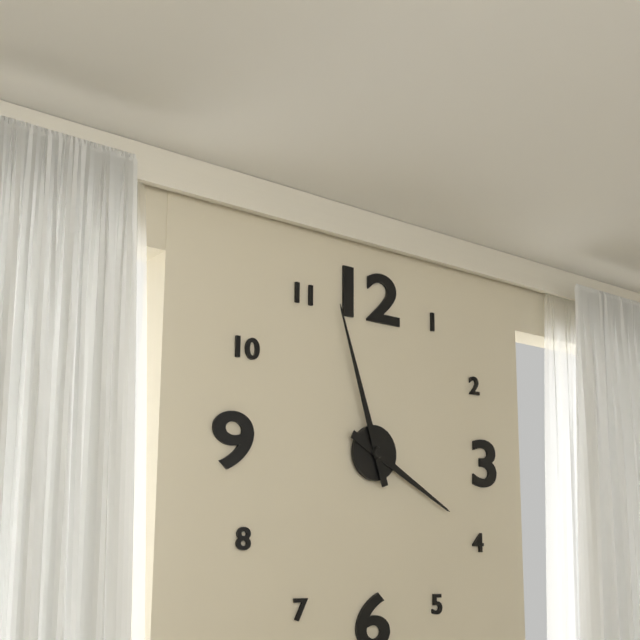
**3:57**
